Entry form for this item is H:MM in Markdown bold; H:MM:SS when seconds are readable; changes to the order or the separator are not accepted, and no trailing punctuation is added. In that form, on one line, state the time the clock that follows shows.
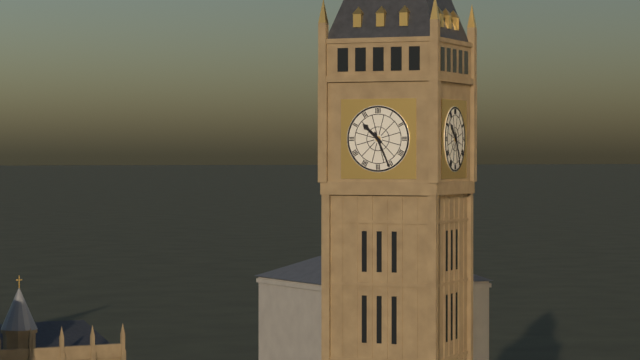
**10:26**
